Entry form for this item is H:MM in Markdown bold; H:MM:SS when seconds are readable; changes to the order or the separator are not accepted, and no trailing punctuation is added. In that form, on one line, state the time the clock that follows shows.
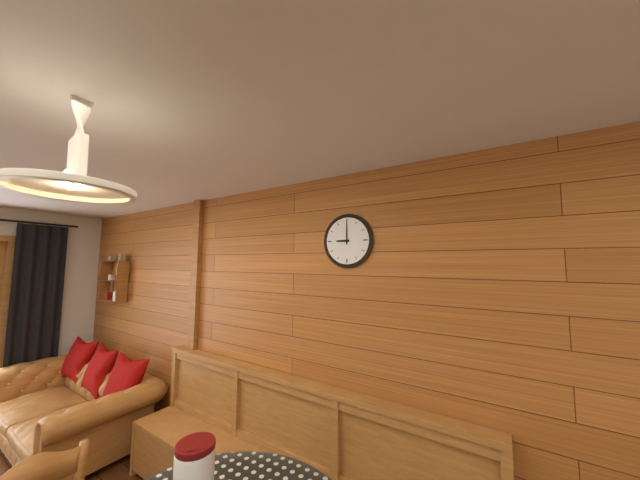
**9:00**
